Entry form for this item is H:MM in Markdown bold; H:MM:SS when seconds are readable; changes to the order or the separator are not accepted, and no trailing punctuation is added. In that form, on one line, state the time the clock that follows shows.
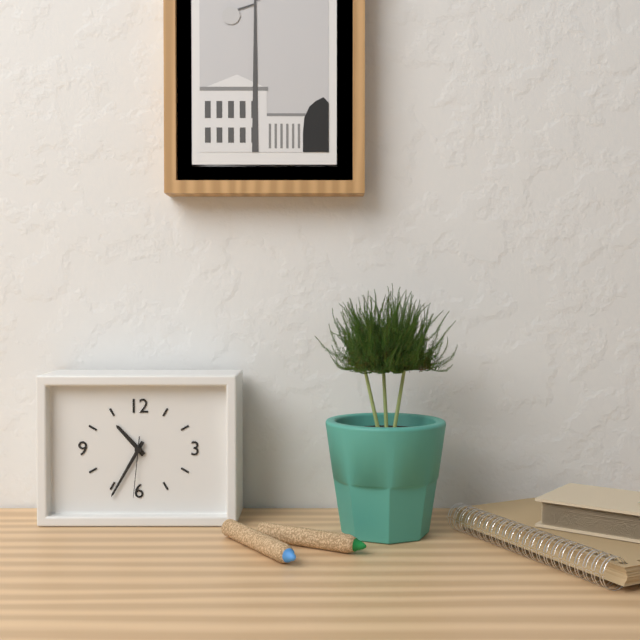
**10:35:31**
